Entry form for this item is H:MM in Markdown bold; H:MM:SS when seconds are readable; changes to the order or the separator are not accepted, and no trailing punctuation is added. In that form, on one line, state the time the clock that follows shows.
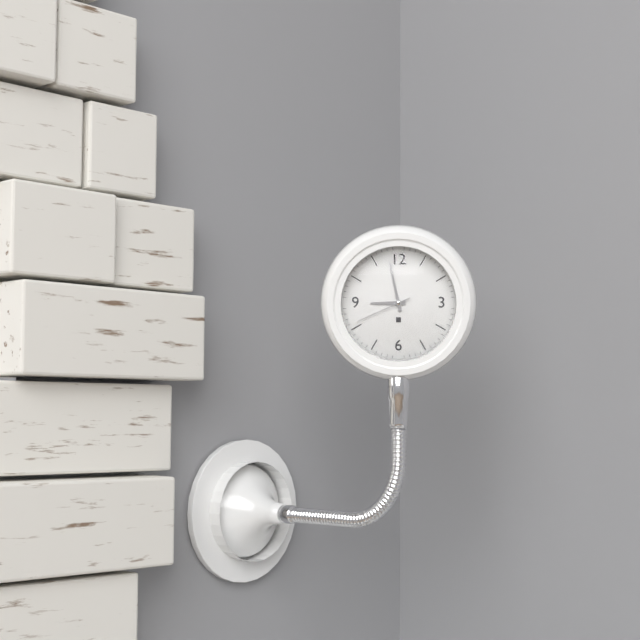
**8:58:41**
